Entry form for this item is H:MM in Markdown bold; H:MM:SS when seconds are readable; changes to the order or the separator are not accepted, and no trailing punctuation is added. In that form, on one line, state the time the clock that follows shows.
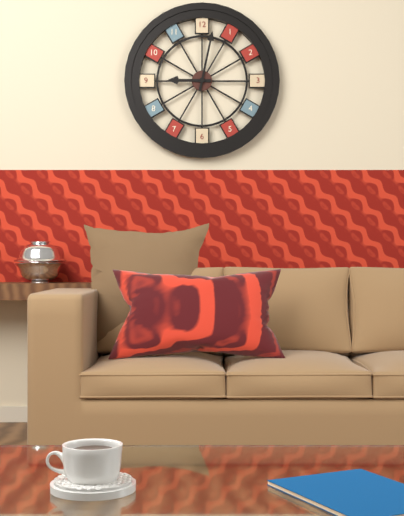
**9:02**
